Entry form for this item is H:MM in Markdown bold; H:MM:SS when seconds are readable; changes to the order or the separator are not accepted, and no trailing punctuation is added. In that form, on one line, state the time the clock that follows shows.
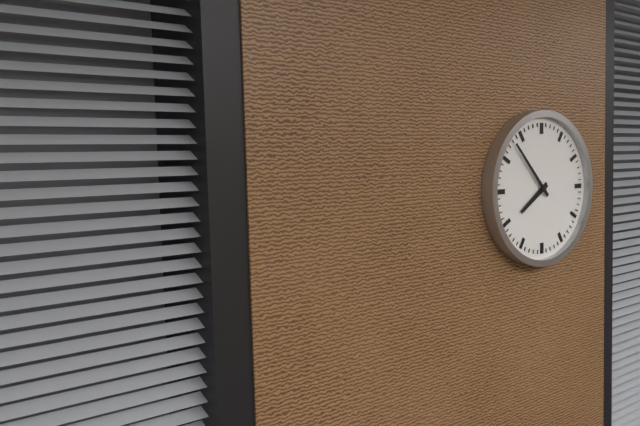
**7:53**
